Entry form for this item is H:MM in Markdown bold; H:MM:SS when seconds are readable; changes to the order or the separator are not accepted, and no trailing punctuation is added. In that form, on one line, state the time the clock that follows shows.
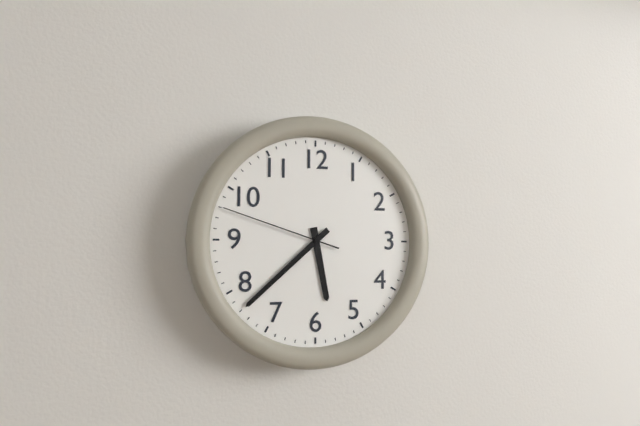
**5:38:48**
